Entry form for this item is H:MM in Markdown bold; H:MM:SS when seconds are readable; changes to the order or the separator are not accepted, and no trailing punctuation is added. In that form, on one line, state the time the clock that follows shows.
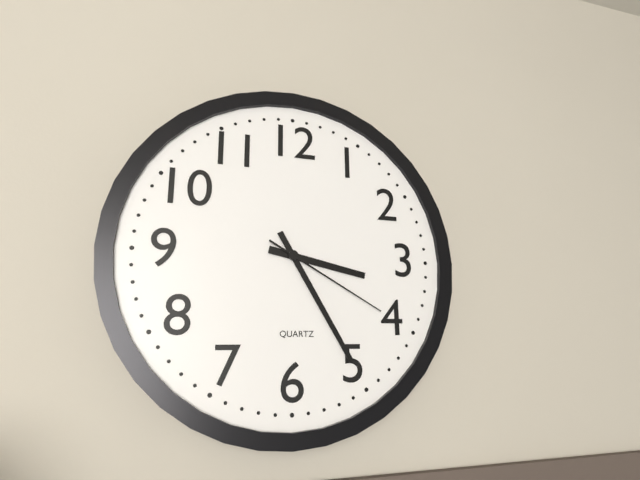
**3:25:20**
